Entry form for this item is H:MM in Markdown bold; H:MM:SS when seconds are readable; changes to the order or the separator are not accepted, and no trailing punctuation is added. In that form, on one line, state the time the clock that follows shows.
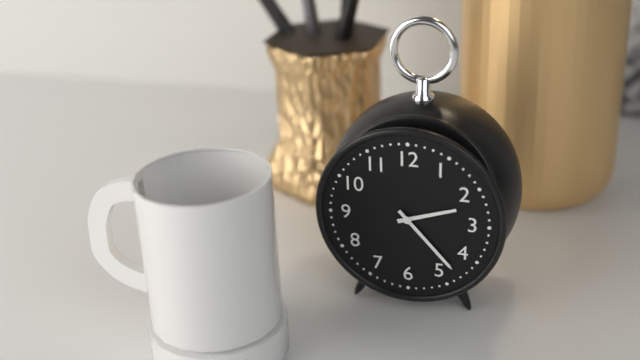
**2:23**
